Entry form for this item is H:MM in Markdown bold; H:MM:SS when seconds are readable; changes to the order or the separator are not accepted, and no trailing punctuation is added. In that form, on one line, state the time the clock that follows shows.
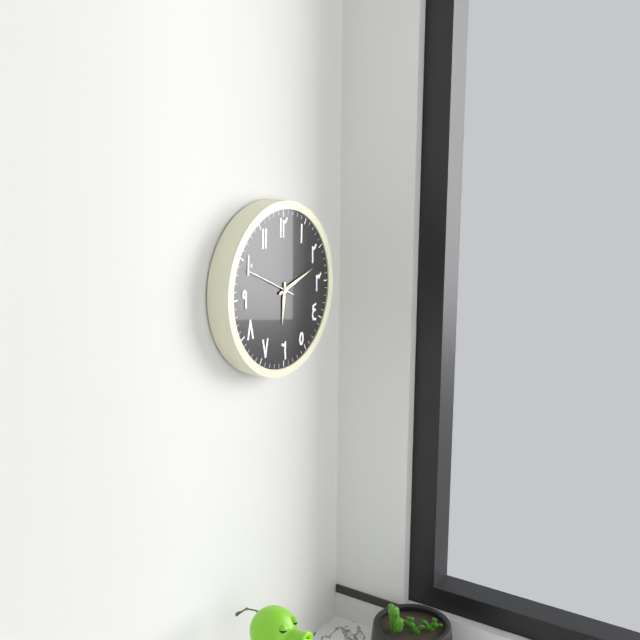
**6:12:49**
